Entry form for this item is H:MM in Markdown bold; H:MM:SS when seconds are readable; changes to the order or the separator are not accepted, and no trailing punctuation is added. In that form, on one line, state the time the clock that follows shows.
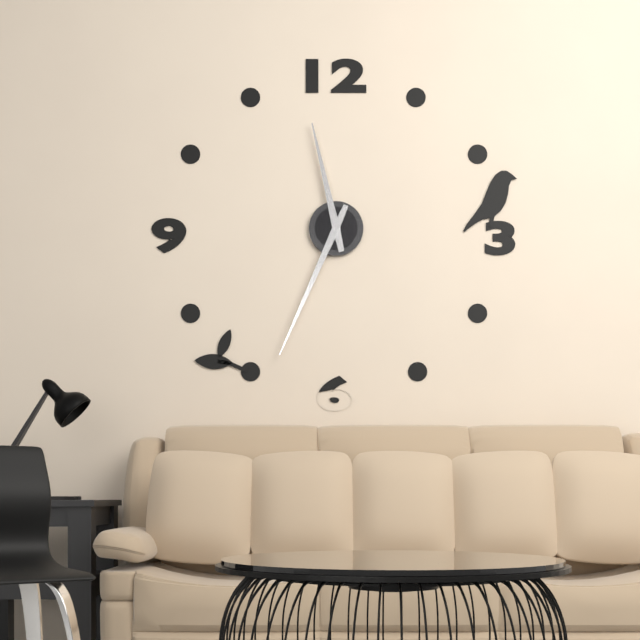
**11:34**
